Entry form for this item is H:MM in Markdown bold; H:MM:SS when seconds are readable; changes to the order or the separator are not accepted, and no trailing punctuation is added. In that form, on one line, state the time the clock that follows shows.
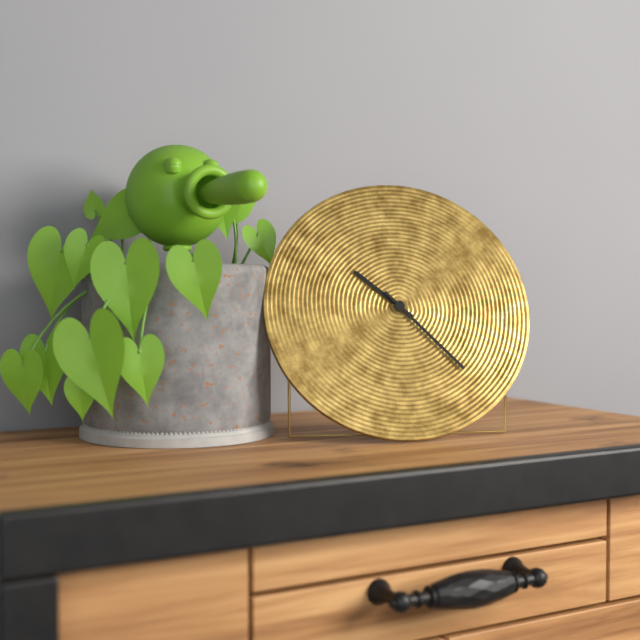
**10:23**
